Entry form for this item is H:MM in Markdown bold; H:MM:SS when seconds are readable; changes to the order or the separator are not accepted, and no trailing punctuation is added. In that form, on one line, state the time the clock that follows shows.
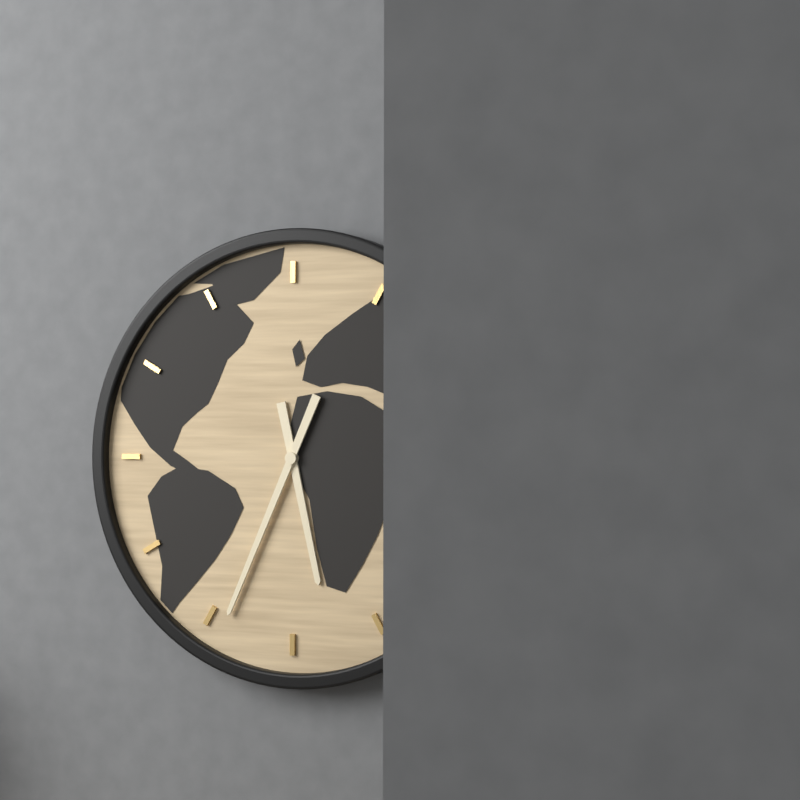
**5:34**
